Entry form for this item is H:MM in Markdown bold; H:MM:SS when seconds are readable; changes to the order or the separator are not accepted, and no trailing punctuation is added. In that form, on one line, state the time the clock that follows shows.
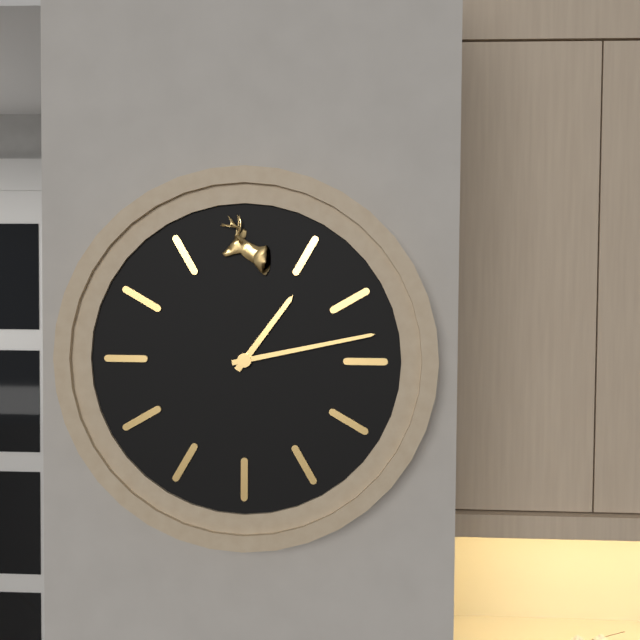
**1:13**
